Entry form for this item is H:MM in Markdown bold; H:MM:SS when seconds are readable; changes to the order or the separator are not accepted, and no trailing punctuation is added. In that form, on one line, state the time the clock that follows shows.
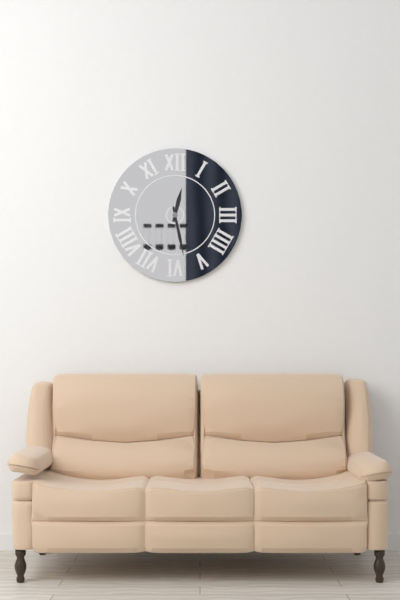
**12:28**
